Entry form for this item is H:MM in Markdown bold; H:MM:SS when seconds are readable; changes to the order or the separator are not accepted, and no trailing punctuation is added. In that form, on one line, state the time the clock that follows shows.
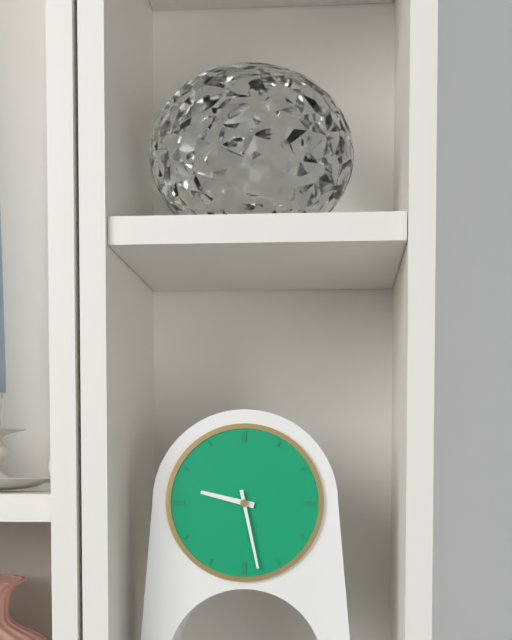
**9:28**
